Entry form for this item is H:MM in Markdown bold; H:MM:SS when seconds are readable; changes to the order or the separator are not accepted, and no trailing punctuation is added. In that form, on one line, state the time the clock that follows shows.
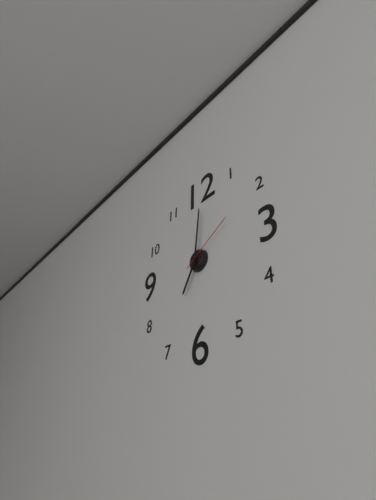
**7:01:10**
